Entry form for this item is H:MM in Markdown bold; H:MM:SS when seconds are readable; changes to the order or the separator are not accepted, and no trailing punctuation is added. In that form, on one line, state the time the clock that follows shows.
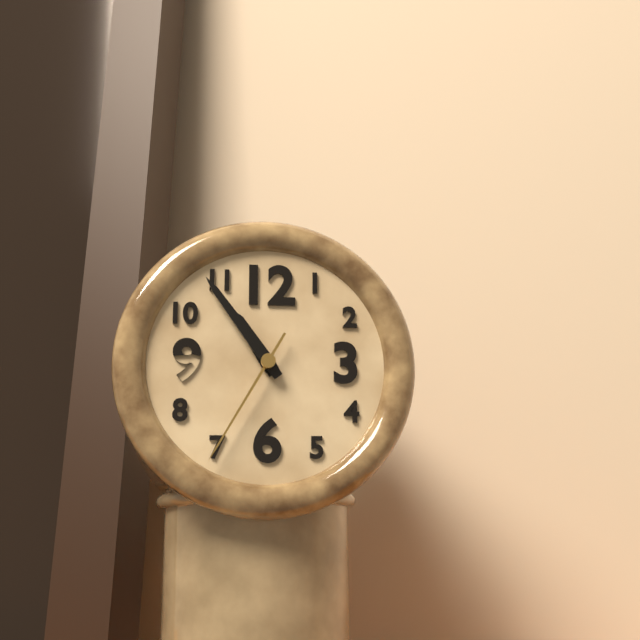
**10:54:35**
